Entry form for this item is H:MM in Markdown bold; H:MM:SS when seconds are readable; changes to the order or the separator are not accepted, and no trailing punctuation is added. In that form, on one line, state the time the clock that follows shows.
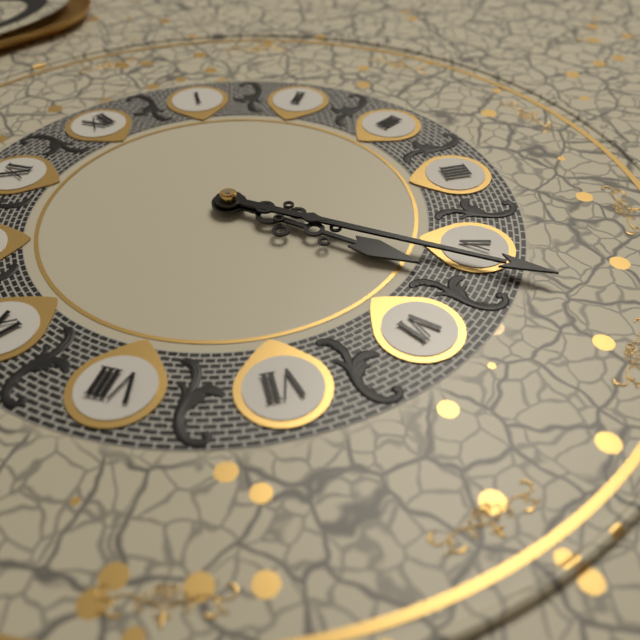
**5:26**
